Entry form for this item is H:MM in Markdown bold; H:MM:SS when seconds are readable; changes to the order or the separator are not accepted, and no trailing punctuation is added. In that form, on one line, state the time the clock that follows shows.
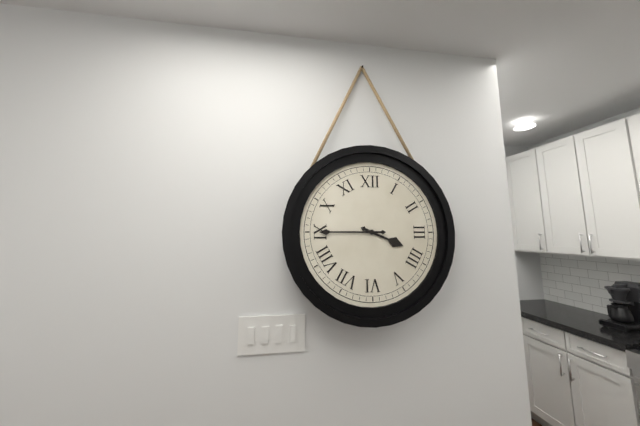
**3:45**
